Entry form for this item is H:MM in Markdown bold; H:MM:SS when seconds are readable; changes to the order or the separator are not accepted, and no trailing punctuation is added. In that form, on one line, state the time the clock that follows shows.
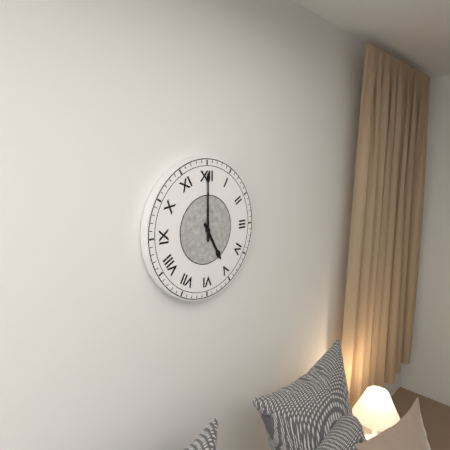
**5:00**
